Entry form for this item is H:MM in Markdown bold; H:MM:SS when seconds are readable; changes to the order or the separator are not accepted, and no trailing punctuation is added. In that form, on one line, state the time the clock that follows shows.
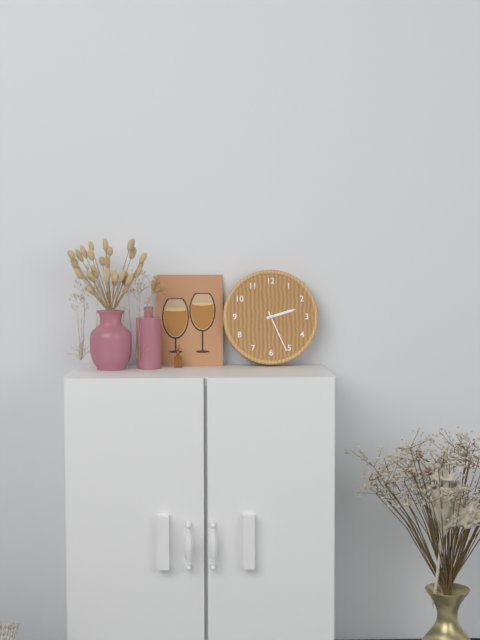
**2:26**
